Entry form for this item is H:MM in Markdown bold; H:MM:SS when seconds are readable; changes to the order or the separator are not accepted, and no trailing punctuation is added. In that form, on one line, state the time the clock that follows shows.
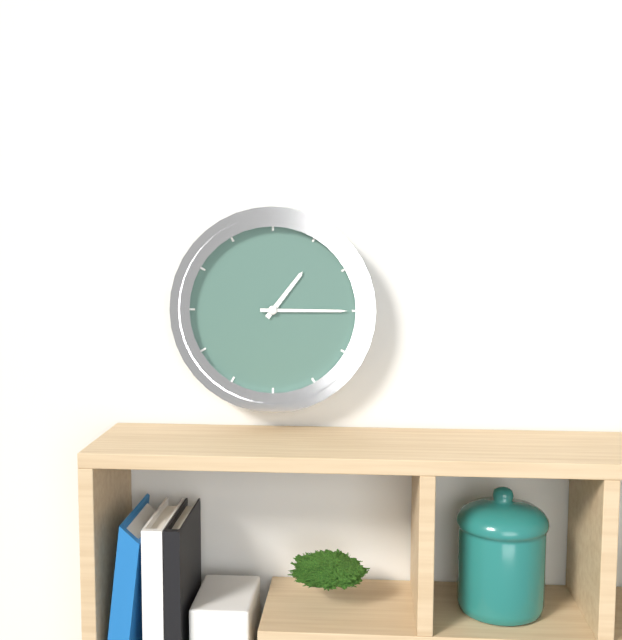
**1:15**
